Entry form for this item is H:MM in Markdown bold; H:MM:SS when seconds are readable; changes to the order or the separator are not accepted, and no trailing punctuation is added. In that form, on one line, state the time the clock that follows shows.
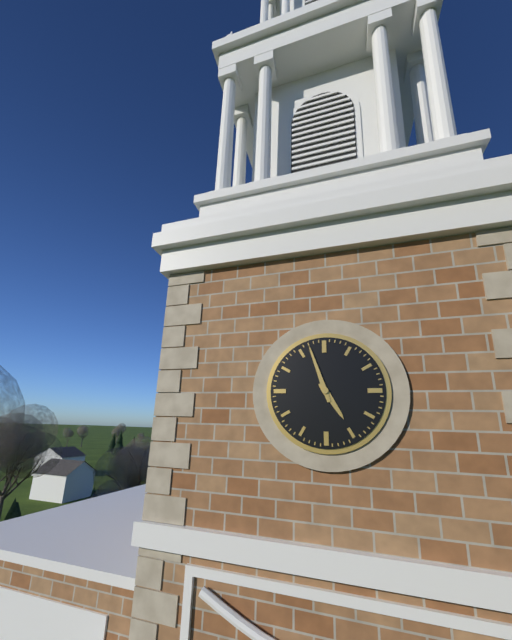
**4:57**
